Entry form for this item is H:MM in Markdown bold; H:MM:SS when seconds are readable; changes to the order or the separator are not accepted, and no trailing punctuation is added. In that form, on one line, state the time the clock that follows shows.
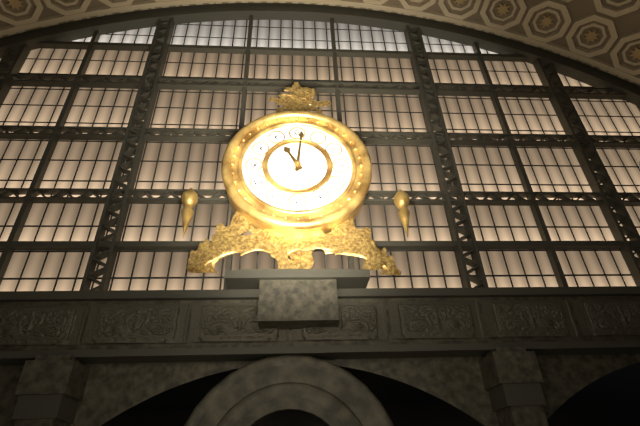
**11:01**
